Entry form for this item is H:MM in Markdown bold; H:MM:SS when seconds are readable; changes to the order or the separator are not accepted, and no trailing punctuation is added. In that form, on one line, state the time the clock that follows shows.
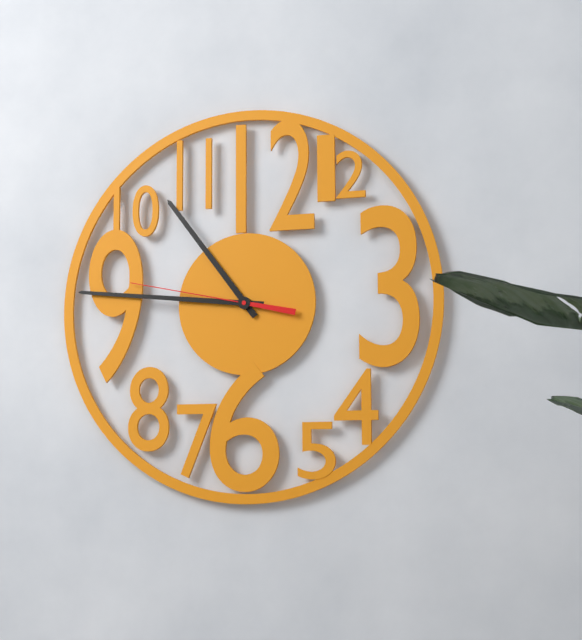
**10:46:47**
